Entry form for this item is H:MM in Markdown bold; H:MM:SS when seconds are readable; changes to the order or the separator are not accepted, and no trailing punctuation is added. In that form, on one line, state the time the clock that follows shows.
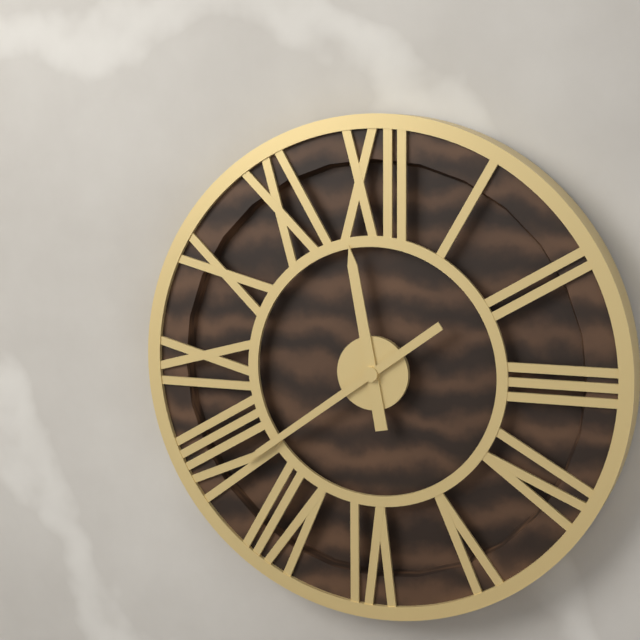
**11:39**
